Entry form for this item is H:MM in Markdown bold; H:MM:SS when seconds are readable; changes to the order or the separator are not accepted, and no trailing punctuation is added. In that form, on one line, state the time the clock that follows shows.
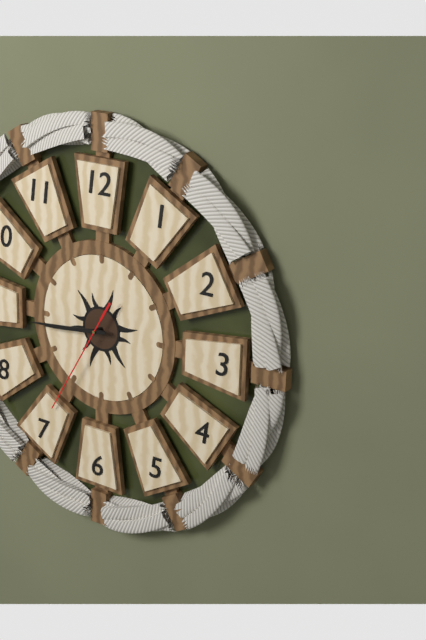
**8:44:35**
